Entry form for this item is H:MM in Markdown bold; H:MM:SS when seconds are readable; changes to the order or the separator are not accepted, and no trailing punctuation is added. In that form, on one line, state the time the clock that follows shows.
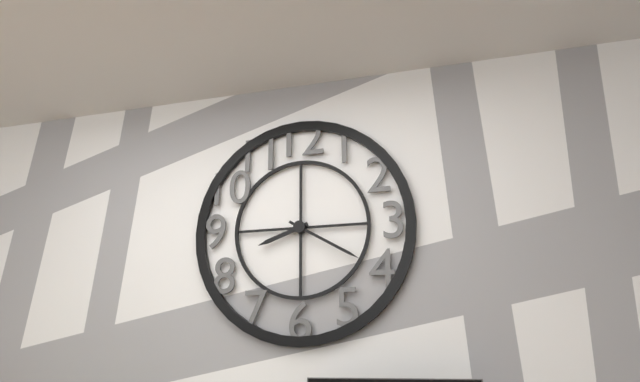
**8:20**
